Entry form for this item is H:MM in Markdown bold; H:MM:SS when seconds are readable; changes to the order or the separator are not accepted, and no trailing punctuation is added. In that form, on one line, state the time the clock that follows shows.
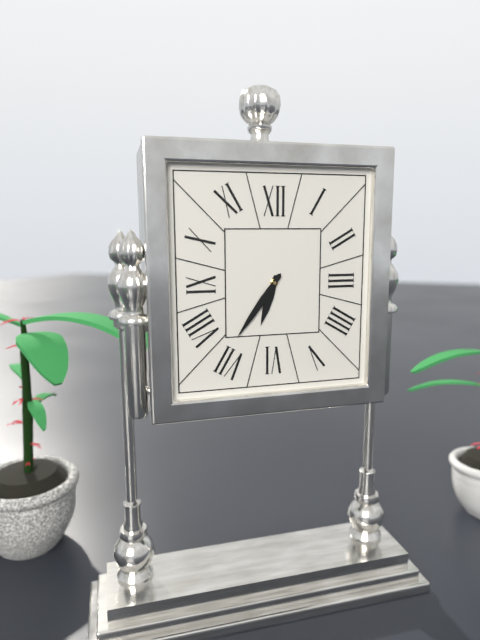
**6:36**
